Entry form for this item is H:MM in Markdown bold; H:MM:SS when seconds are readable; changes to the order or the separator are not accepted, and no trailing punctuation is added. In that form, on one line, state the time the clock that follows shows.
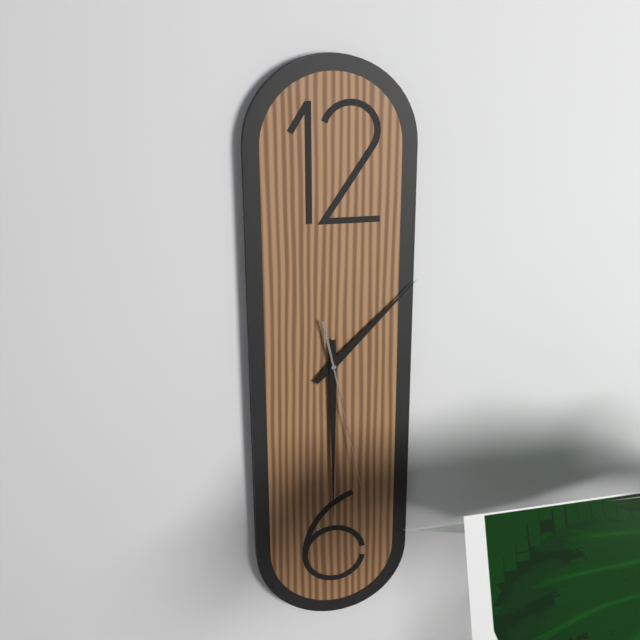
**1:30:28**
